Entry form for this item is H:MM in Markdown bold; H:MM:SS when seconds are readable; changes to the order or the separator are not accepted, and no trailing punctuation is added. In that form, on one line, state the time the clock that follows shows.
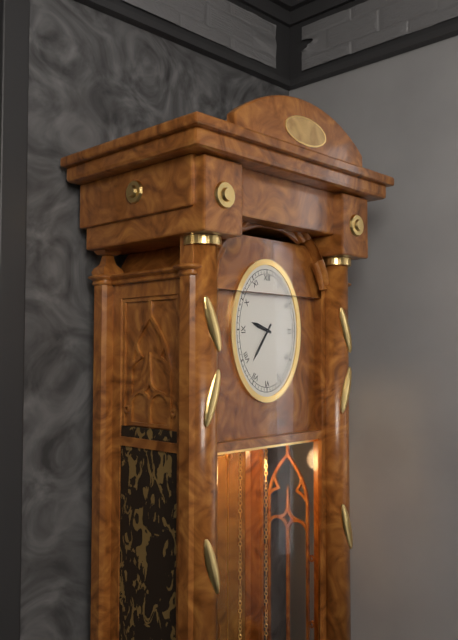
**9:36**
